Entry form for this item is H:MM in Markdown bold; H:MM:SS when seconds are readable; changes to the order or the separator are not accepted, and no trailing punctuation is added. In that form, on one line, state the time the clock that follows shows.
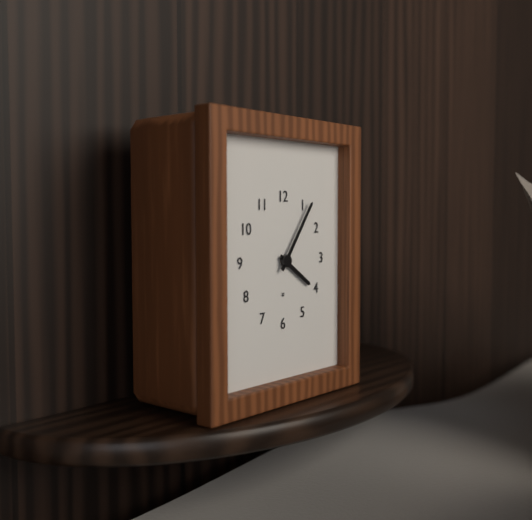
**4:06**
